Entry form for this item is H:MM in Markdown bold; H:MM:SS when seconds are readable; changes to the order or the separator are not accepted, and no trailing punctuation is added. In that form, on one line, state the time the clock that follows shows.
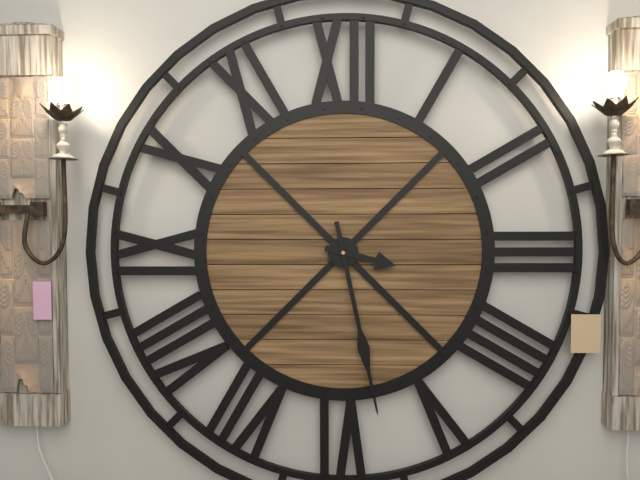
**3:28**
